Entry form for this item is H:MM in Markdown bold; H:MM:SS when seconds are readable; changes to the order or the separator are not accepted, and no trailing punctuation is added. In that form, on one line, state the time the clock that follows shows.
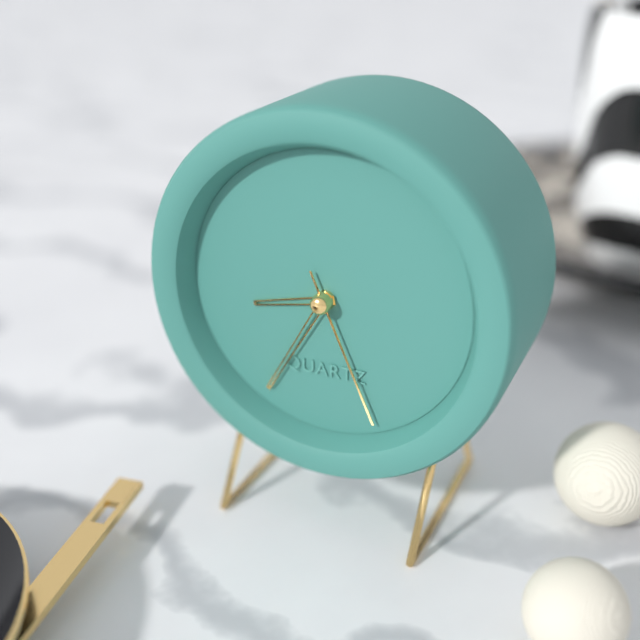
**8:35:26**
